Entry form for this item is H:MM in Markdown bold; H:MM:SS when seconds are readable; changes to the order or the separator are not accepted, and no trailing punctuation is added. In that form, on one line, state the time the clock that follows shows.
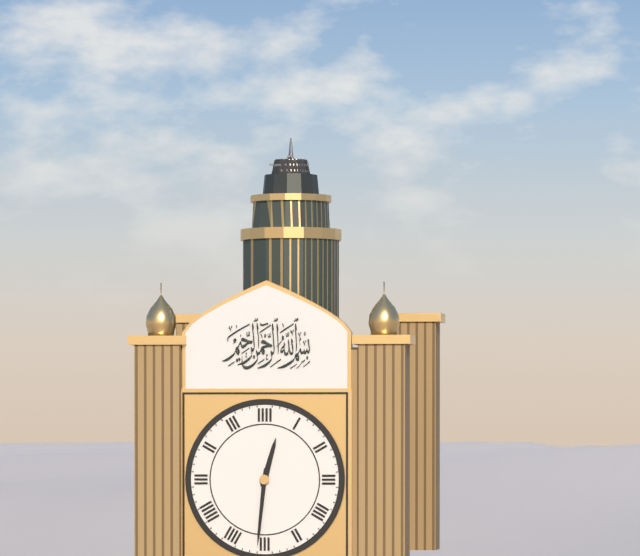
**12:31**
